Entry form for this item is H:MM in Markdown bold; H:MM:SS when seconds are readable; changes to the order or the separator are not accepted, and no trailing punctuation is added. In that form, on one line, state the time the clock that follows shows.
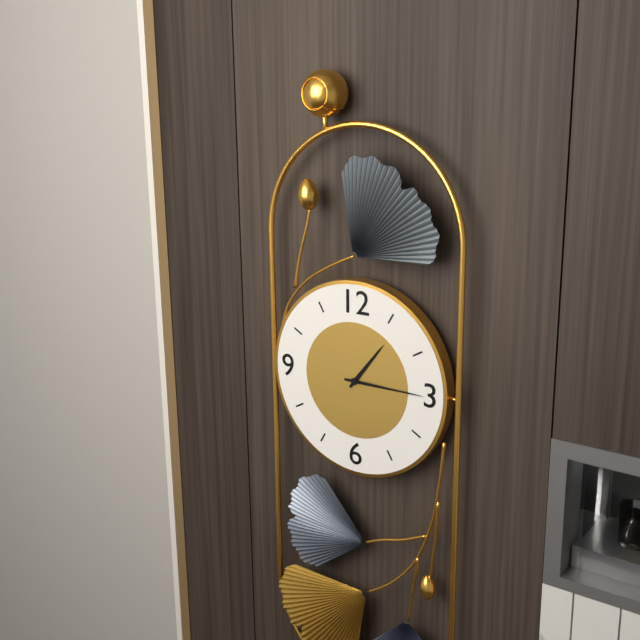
**1:15**
